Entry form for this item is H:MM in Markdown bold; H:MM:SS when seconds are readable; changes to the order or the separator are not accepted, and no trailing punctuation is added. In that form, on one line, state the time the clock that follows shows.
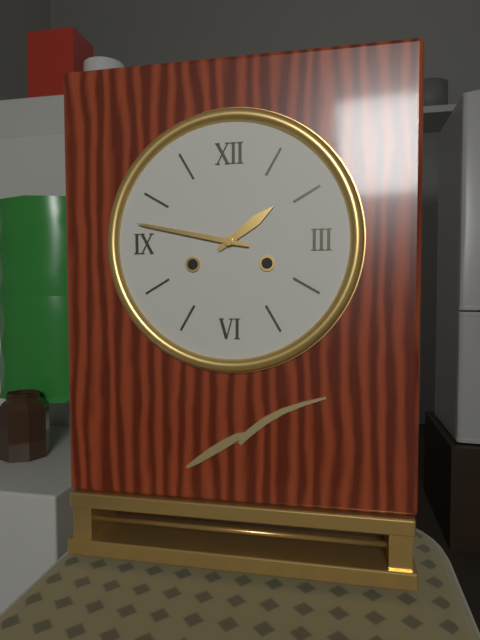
**1:47**
